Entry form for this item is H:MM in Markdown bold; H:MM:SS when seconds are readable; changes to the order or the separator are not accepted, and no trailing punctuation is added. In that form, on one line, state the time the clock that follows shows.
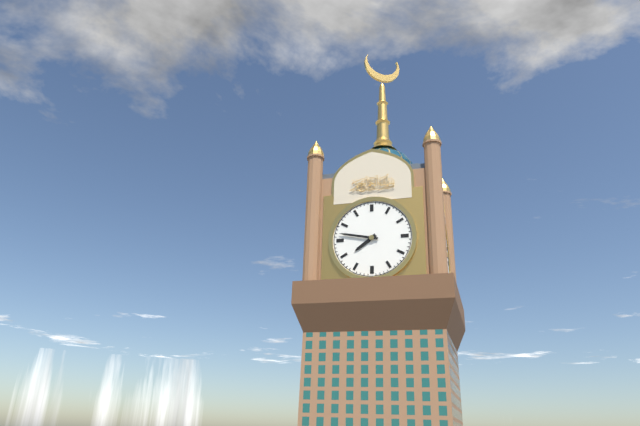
**7:47**
